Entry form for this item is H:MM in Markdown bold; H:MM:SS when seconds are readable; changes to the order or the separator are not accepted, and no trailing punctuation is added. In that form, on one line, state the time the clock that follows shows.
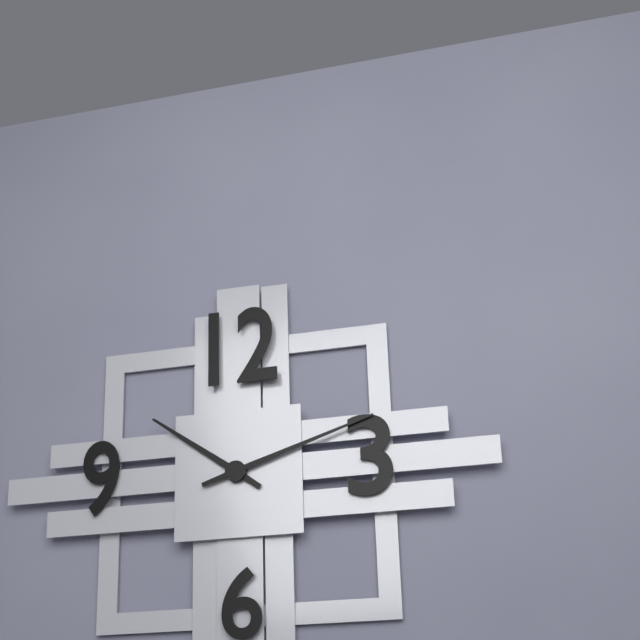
**10:12**
